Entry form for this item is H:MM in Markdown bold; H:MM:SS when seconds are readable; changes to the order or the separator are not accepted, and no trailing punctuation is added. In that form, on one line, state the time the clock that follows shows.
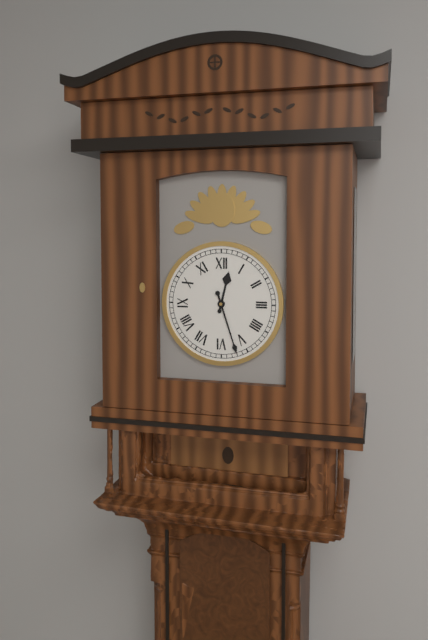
**12:27**
